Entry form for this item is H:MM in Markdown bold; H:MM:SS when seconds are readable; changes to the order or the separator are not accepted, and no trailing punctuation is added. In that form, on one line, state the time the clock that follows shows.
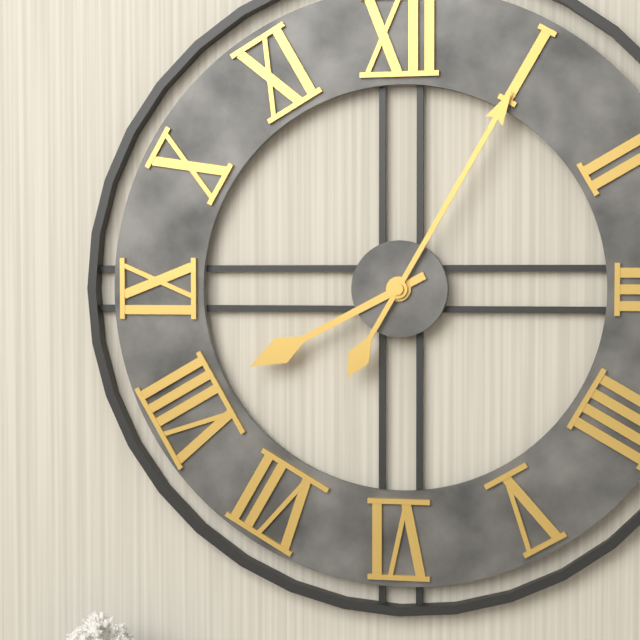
**8:05**
